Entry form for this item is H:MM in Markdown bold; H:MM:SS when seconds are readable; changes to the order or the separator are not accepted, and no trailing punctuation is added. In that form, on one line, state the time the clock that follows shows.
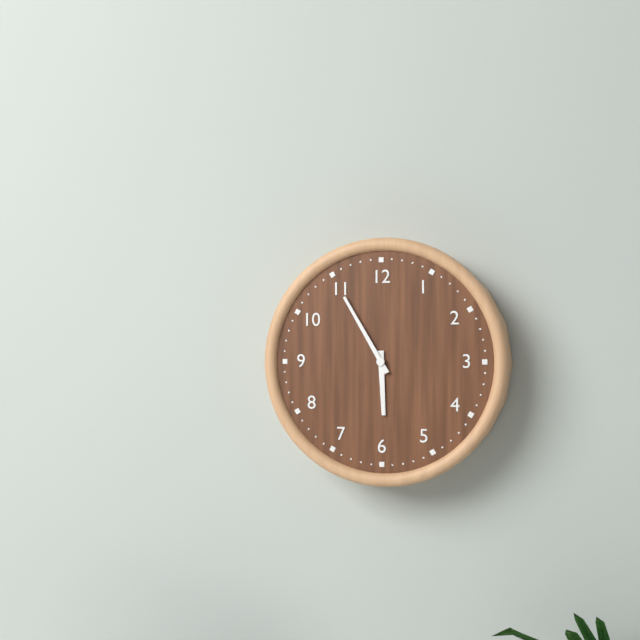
**5:55**
